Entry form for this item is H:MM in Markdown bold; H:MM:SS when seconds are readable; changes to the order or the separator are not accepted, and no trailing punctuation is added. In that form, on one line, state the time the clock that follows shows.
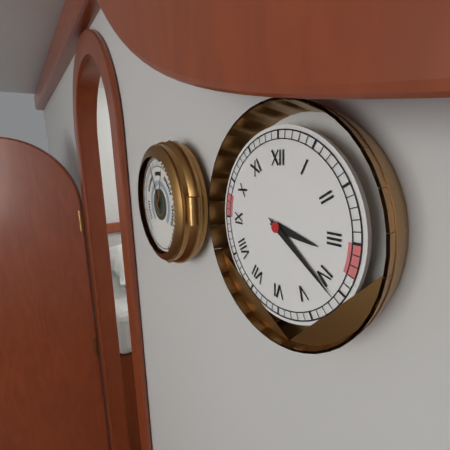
**3:21**
